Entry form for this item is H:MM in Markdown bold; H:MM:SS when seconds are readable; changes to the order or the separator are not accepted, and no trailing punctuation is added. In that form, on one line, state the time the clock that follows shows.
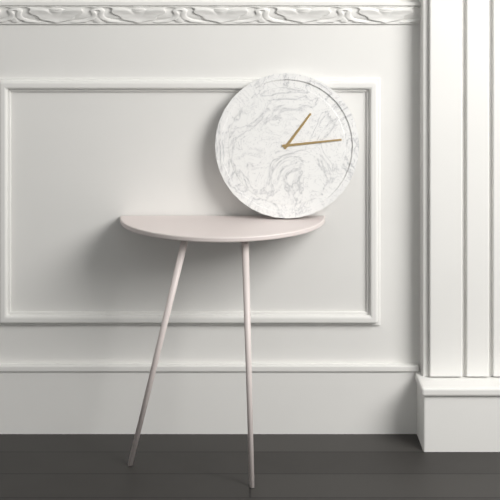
**1:14**
